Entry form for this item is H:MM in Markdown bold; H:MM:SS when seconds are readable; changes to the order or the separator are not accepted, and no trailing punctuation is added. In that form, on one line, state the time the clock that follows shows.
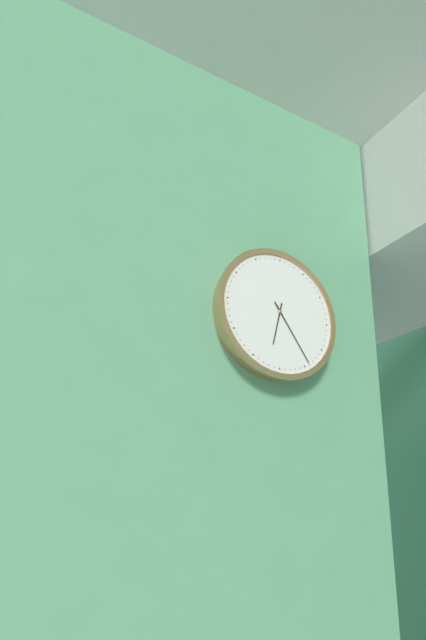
**6:24**
